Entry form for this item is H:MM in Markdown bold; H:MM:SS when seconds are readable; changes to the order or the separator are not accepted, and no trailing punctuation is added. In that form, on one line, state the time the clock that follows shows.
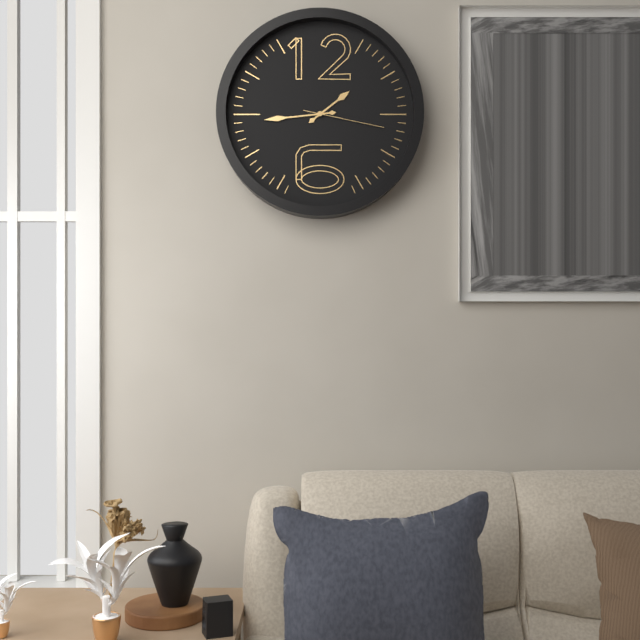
**1:44:17**
